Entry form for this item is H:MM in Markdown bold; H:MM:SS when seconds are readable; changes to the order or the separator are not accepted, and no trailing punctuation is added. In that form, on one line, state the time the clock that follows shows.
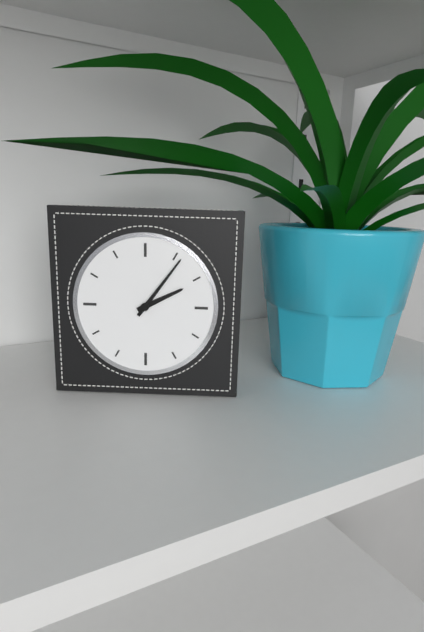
**2:06**
